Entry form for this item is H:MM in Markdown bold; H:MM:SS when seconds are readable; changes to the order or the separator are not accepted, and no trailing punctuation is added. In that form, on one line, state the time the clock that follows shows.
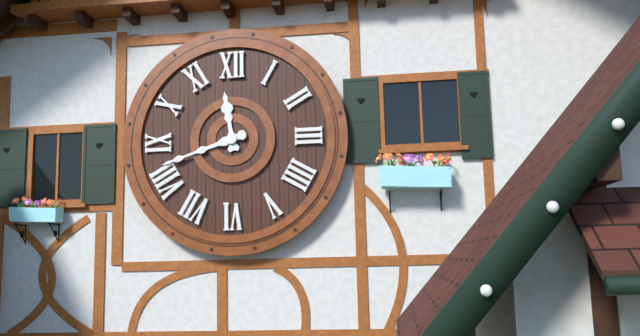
**11:42**
